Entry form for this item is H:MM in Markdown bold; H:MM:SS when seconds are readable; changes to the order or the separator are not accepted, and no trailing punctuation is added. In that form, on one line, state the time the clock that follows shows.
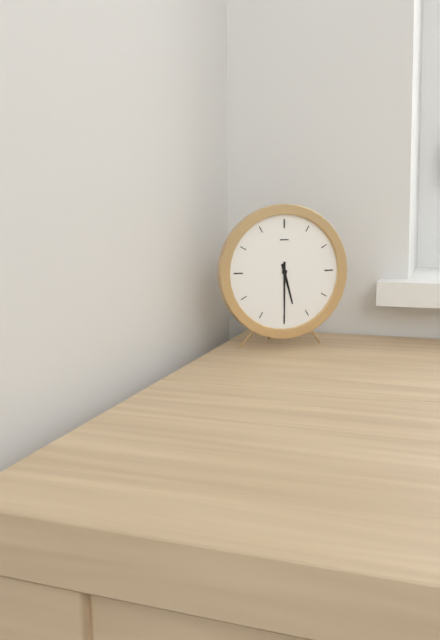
**5:30**
